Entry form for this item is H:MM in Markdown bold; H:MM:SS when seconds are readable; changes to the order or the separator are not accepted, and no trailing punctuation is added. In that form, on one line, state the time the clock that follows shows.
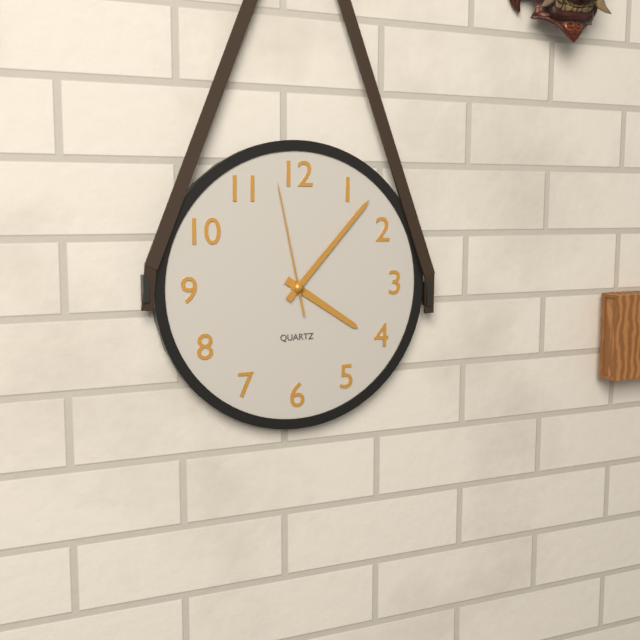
**4:07:58**
